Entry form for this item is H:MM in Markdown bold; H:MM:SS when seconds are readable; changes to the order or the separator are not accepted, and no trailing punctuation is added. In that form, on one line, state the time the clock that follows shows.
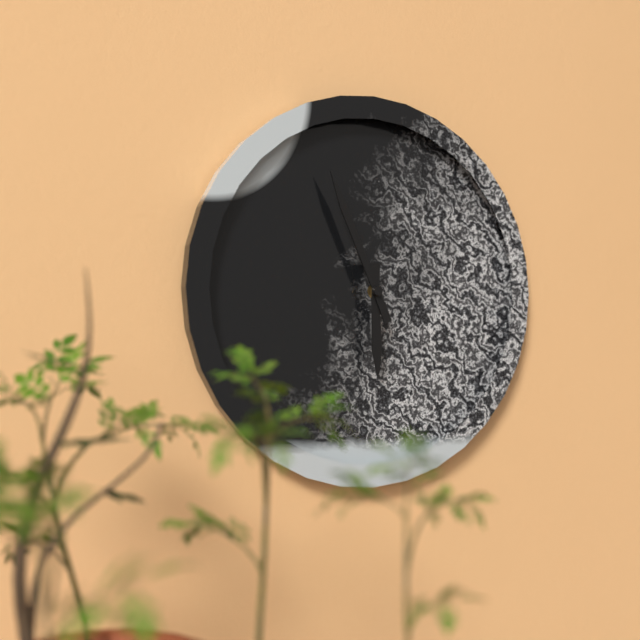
**5:56**
